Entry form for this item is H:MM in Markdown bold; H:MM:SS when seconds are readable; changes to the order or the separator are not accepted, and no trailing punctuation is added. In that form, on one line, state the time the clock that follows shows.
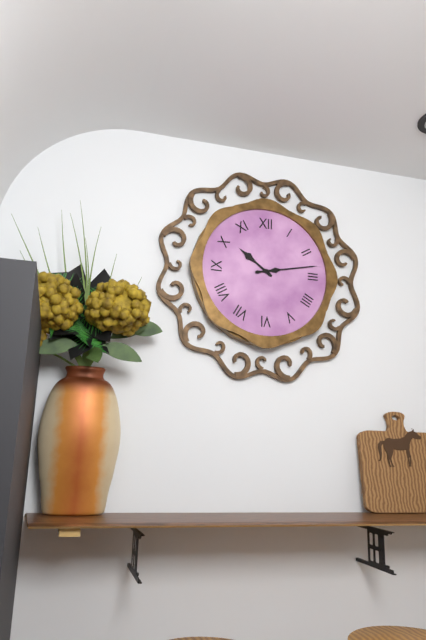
**10:13**
